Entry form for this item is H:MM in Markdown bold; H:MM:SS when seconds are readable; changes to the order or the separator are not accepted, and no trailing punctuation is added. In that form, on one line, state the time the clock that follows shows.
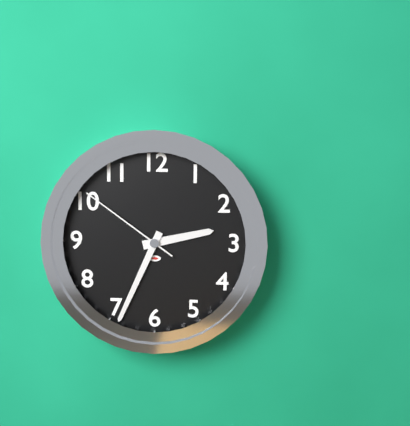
**2:34:51**
